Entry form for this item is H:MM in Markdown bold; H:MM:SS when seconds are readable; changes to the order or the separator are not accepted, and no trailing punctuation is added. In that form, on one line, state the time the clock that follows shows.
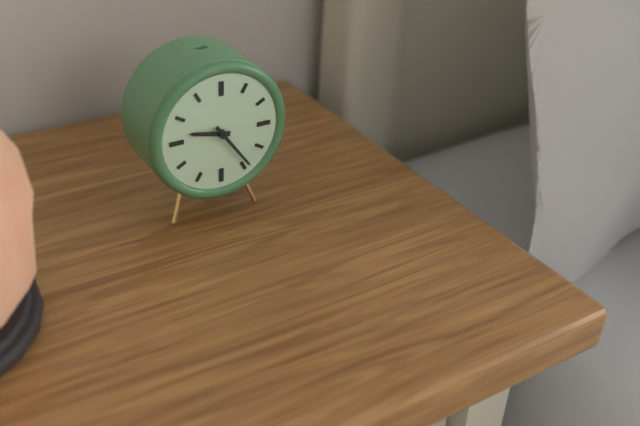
**9:24**
